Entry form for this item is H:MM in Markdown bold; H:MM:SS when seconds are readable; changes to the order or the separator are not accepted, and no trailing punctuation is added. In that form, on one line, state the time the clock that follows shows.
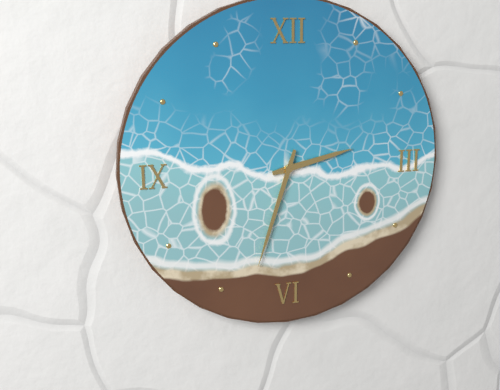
**2:33**
